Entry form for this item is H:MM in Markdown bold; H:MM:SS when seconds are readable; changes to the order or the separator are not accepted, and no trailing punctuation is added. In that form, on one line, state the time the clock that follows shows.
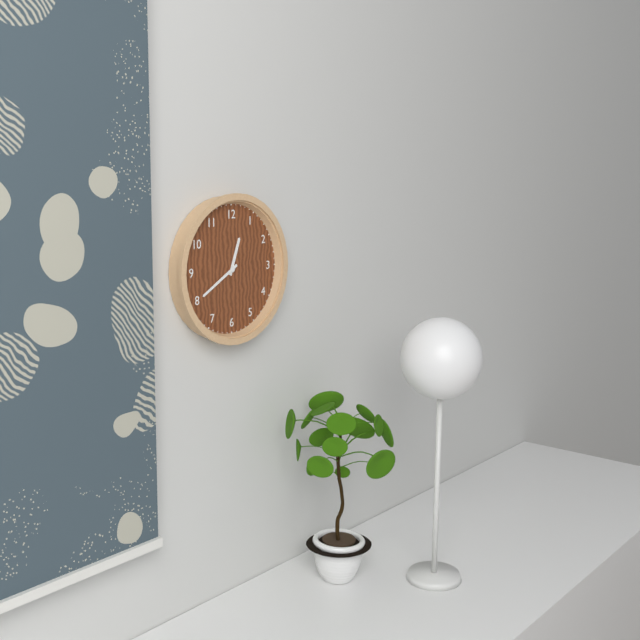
**12:40**
